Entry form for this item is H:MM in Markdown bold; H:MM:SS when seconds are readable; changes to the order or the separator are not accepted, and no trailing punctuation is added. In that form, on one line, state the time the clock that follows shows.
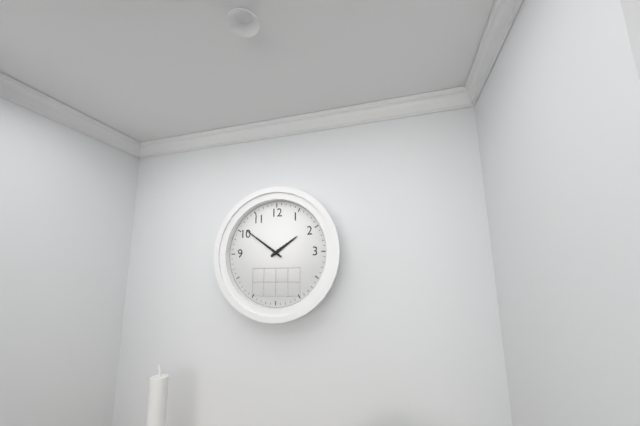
**1:51**
